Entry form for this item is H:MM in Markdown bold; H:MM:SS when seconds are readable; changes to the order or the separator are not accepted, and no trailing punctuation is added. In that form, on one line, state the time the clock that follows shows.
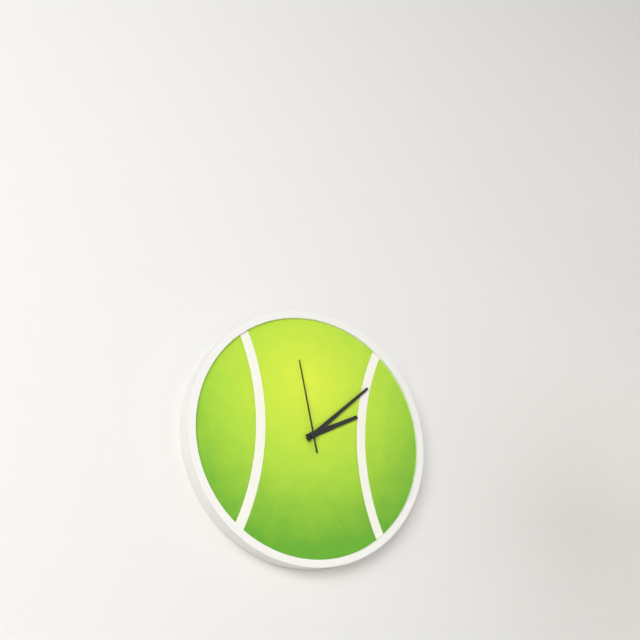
**2:08:58**
